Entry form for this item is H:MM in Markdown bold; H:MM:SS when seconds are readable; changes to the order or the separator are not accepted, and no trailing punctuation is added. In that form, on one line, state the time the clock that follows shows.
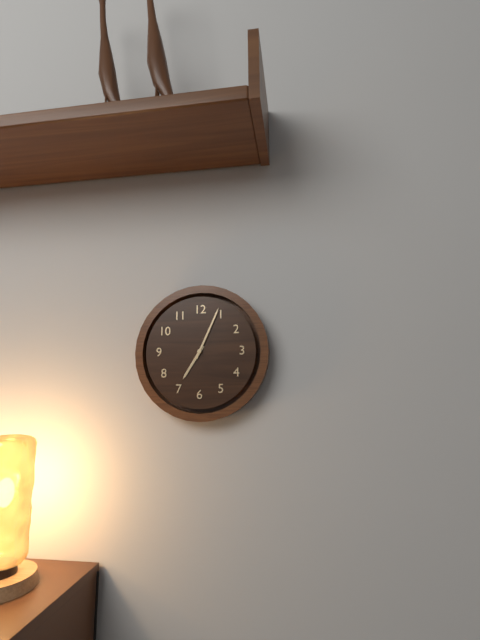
**7:04**
